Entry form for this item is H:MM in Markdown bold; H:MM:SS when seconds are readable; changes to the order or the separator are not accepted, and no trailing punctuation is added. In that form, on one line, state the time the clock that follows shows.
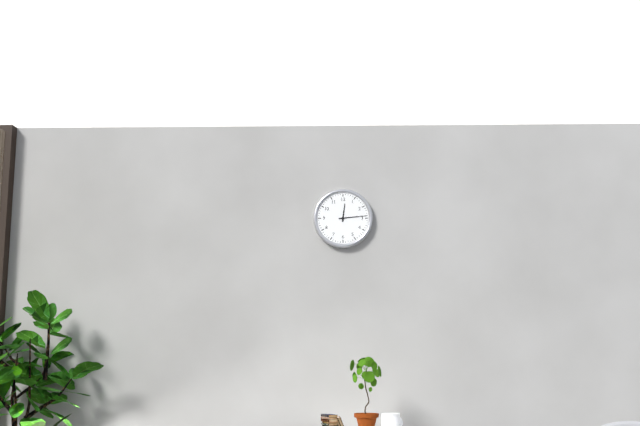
**12:14**
